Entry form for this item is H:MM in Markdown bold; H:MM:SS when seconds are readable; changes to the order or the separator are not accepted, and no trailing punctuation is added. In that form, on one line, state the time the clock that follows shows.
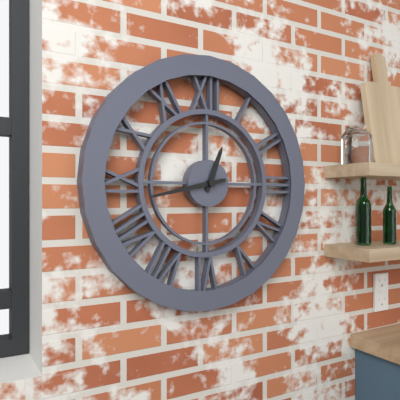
**12:43**
